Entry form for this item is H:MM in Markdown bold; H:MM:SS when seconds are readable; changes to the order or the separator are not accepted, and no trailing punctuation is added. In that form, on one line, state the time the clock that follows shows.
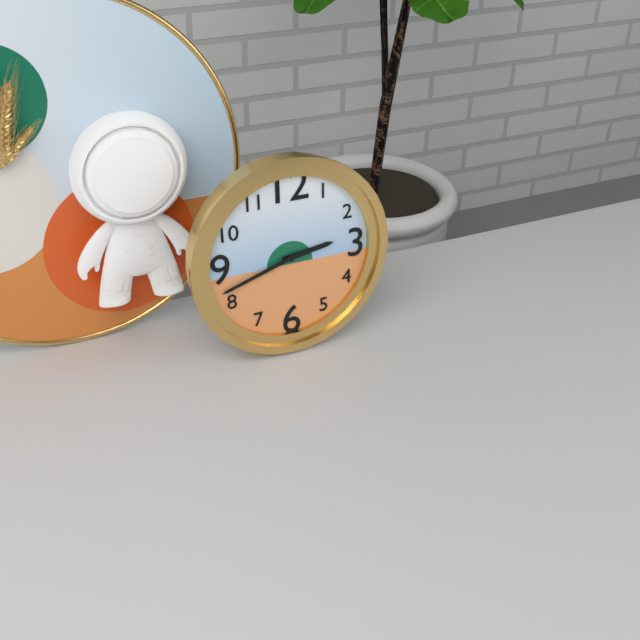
**2:42**
